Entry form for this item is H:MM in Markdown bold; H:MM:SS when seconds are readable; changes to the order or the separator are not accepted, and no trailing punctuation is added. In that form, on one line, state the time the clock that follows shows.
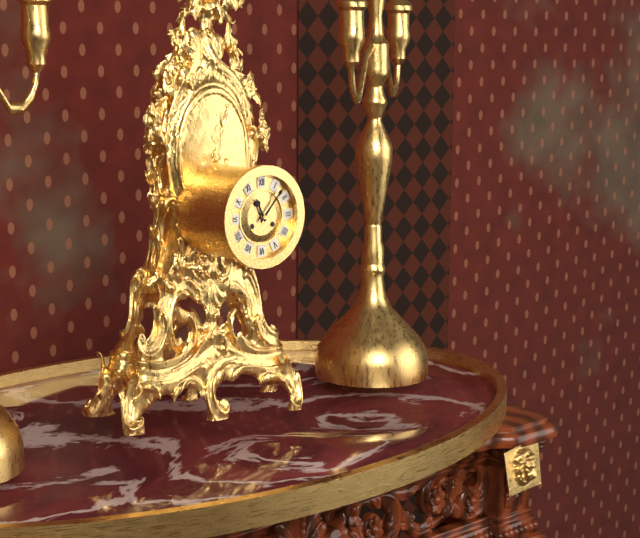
**11:07**
